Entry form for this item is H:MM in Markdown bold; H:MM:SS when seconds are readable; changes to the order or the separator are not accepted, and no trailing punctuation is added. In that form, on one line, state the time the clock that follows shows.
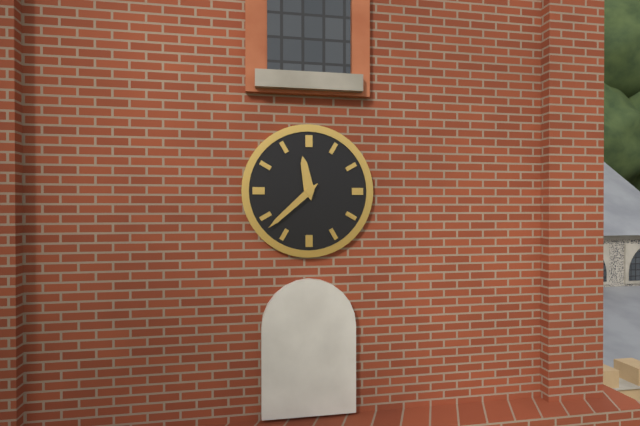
**11:38**
